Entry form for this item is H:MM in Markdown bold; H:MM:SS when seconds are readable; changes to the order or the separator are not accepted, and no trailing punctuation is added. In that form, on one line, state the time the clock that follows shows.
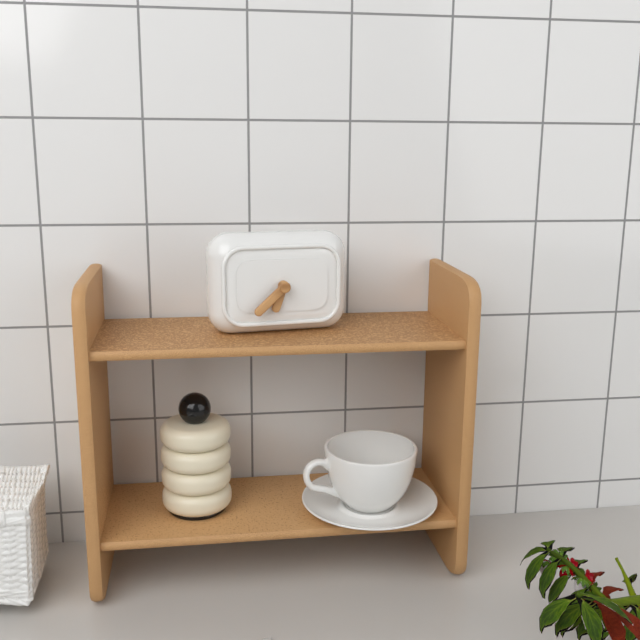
**6:38**
